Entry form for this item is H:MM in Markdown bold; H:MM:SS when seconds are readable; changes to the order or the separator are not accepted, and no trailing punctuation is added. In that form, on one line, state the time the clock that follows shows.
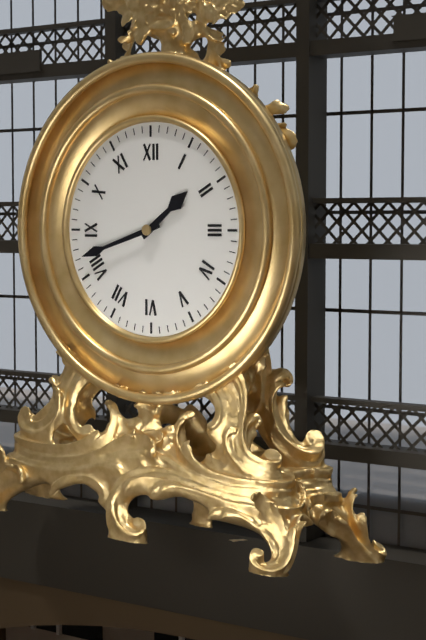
**1:42**
